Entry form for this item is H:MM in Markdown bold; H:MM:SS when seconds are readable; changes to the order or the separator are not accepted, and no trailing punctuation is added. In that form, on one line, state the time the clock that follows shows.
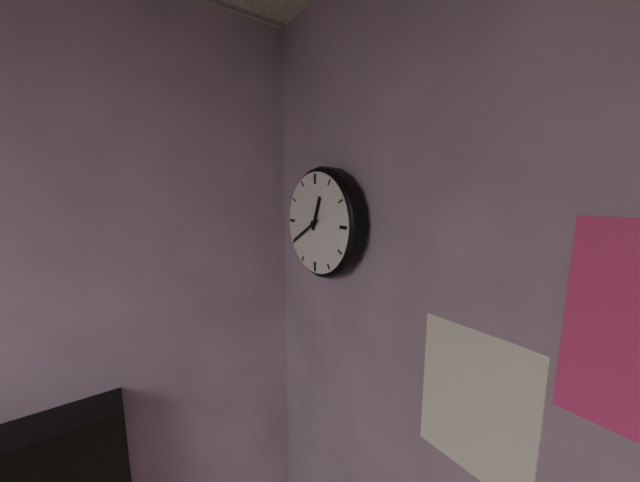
**12:40**
